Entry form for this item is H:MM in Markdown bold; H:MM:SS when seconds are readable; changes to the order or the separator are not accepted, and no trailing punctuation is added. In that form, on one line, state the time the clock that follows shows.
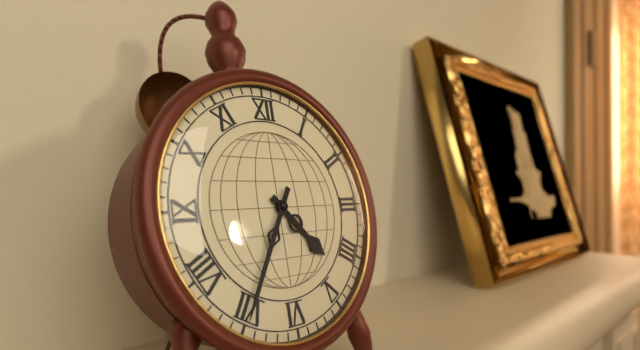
**4:35**
